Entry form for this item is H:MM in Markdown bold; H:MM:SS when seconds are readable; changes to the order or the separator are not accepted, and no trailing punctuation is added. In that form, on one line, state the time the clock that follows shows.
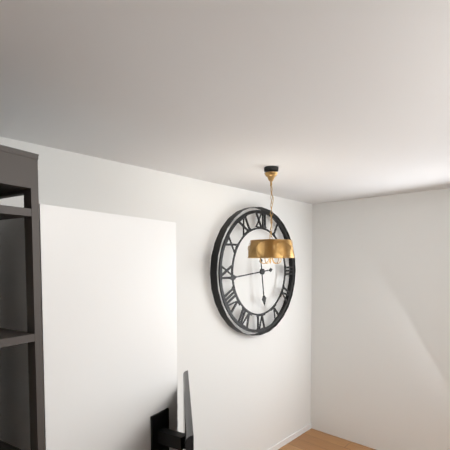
**5:44**
